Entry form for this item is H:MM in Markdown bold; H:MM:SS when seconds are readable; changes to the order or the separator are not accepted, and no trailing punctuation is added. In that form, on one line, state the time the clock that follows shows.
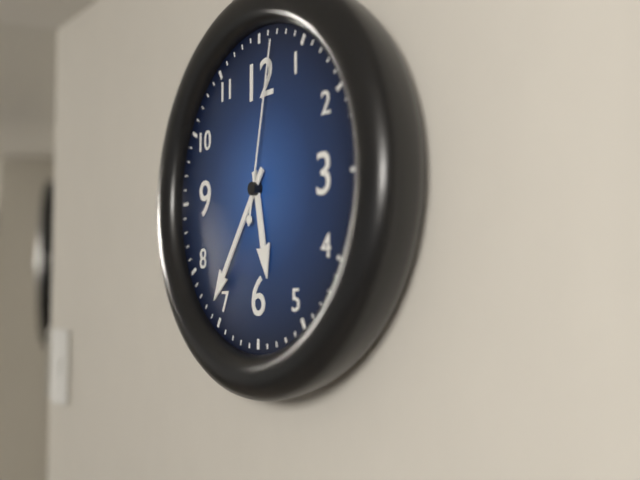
**5:36:02**
